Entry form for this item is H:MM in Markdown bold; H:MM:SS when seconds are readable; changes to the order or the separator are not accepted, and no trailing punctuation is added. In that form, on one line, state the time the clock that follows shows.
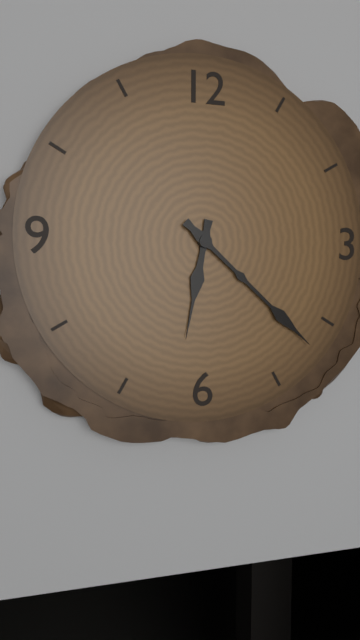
**6:22**
